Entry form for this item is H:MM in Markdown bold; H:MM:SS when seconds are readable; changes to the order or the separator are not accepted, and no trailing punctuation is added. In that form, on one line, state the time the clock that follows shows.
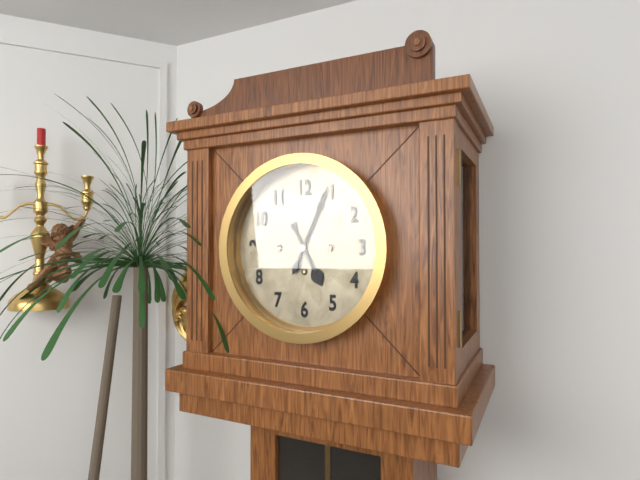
**5:04**
